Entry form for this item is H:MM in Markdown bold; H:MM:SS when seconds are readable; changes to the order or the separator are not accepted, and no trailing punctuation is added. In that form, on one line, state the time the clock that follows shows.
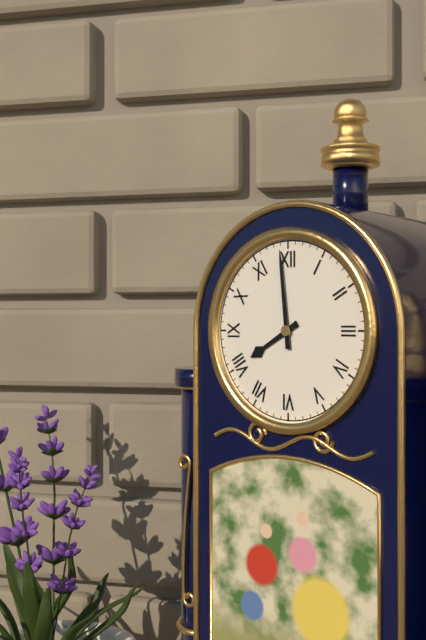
**7:59**
